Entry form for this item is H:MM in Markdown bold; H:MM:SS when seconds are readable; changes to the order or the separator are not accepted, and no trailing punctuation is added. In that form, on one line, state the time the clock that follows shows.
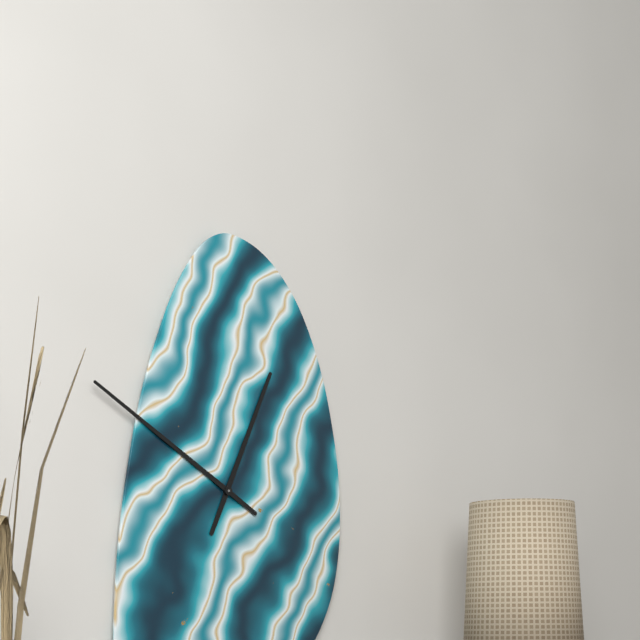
**12:50**
